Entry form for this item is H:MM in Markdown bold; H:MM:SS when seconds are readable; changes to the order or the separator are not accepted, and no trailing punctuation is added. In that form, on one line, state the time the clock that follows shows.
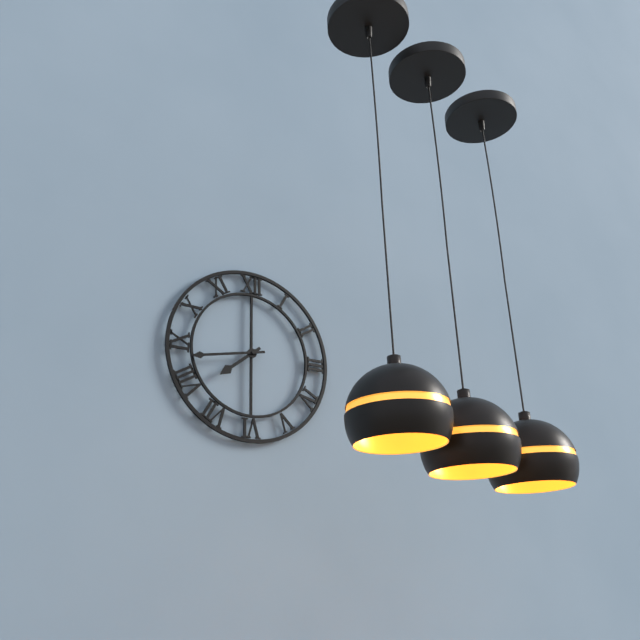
**7:43**
